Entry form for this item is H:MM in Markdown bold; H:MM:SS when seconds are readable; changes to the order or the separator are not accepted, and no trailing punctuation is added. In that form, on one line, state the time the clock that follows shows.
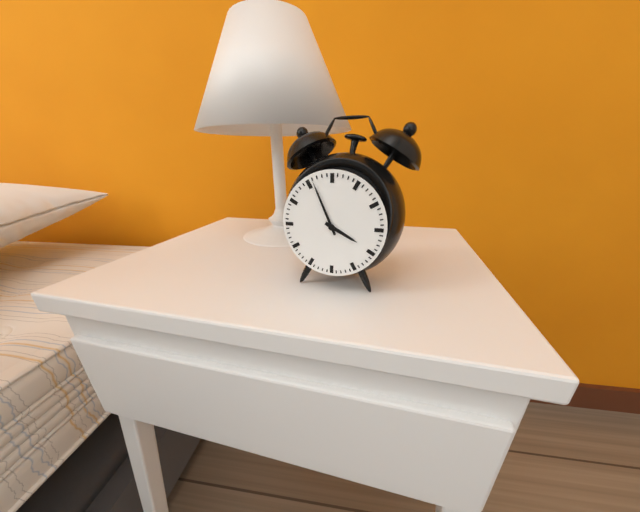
**3:56**
